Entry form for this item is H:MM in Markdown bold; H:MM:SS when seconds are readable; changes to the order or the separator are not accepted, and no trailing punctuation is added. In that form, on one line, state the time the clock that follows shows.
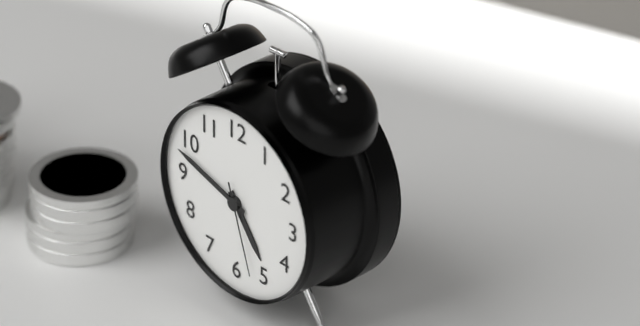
**4:48:27**
